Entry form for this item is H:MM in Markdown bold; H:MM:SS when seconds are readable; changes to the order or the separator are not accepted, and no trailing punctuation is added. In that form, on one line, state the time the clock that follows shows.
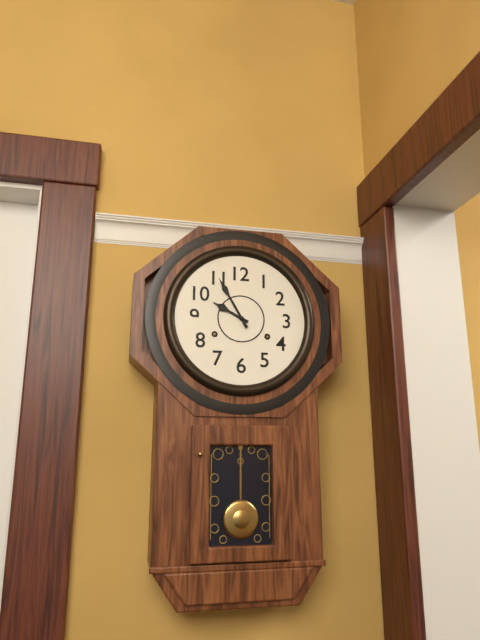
**9:55**
